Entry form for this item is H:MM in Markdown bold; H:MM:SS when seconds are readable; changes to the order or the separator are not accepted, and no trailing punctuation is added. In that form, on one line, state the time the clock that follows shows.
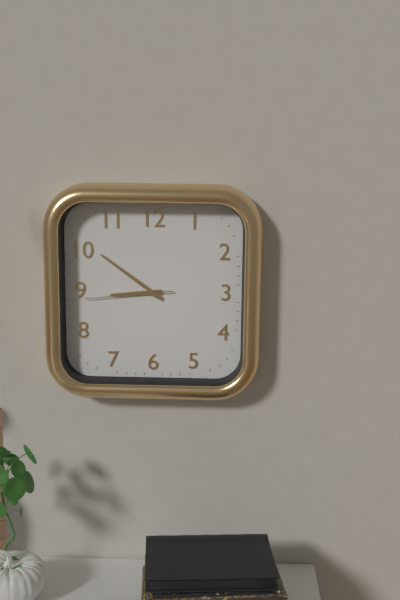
**8:51:44**
